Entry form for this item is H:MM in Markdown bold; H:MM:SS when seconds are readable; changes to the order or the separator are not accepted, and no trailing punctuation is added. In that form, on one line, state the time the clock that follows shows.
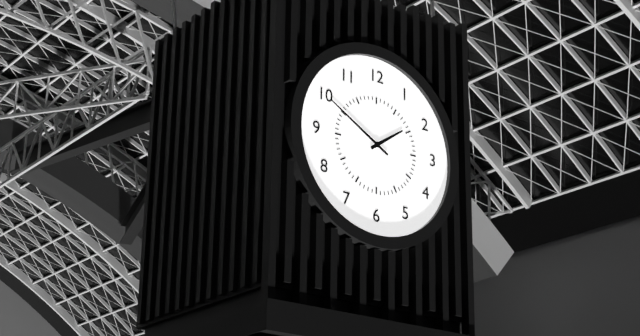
**1:50**
